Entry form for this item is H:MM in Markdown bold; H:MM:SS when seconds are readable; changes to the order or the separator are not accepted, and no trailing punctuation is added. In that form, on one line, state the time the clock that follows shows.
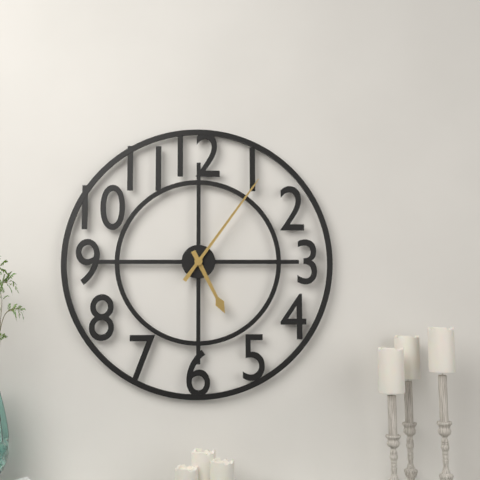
**5:06**
